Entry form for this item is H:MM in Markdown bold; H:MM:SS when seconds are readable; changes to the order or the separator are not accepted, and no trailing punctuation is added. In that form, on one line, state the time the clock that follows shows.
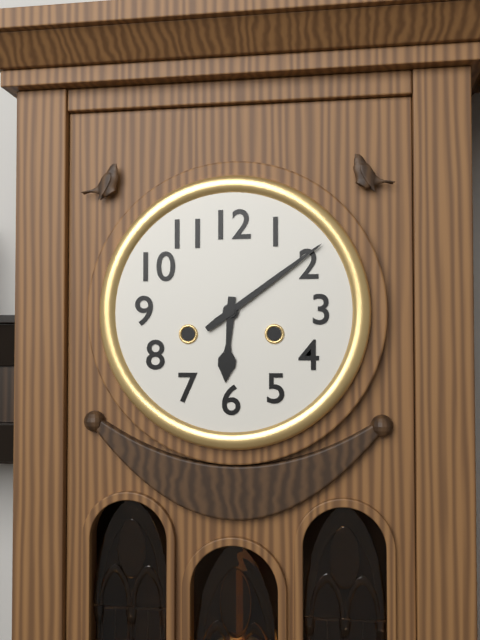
**6:09**
